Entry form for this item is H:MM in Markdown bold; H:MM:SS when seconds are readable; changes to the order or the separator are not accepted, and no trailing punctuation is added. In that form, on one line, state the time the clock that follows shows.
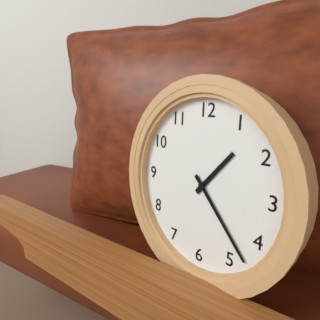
**1:23**
